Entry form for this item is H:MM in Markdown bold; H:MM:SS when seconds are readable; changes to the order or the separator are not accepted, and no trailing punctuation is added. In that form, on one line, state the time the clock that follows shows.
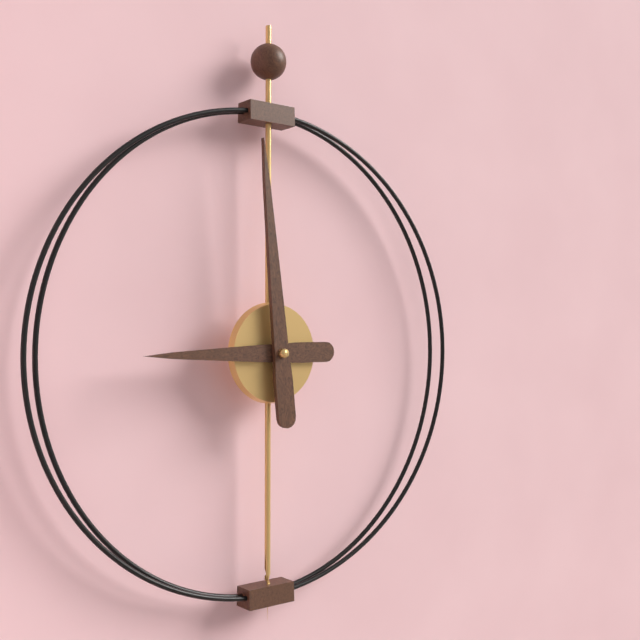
**8:59**
